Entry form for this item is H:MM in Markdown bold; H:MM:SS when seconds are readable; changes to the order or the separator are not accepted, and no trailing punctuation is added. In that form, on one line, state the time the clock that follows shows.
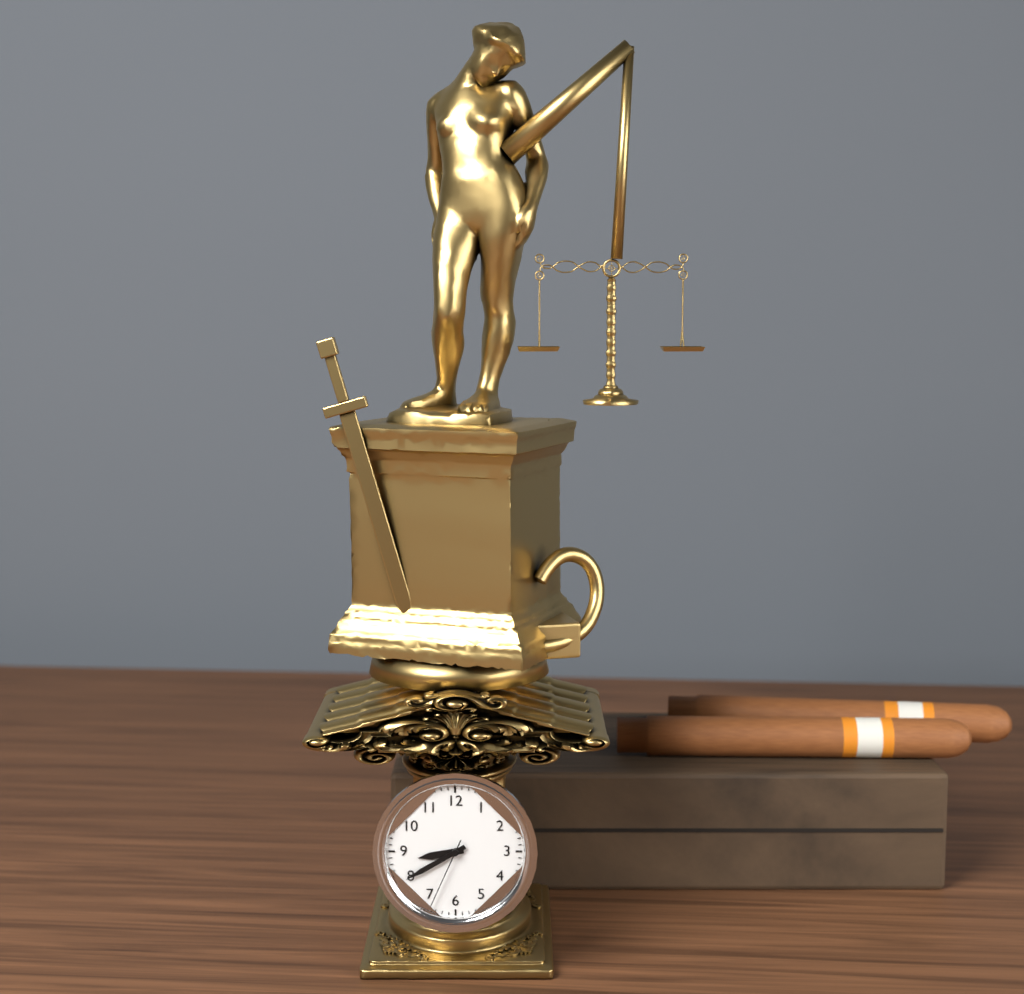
**8:40:34**
